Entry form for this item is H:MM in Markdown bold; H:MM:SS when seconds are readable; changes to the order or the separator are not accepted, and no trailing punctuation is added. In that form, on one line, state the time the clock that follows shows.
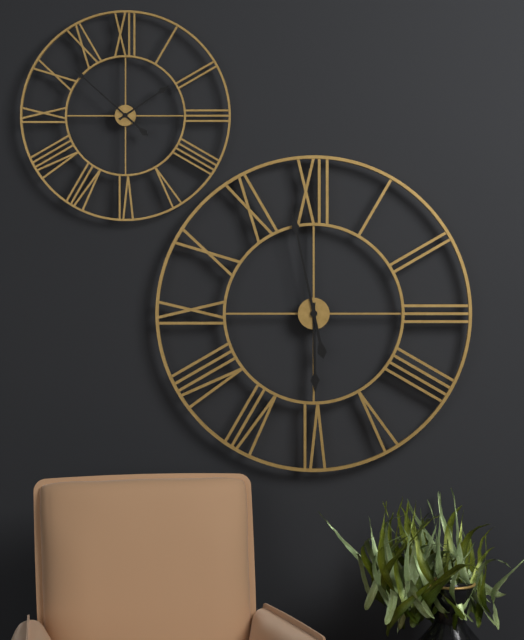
**5:58**
